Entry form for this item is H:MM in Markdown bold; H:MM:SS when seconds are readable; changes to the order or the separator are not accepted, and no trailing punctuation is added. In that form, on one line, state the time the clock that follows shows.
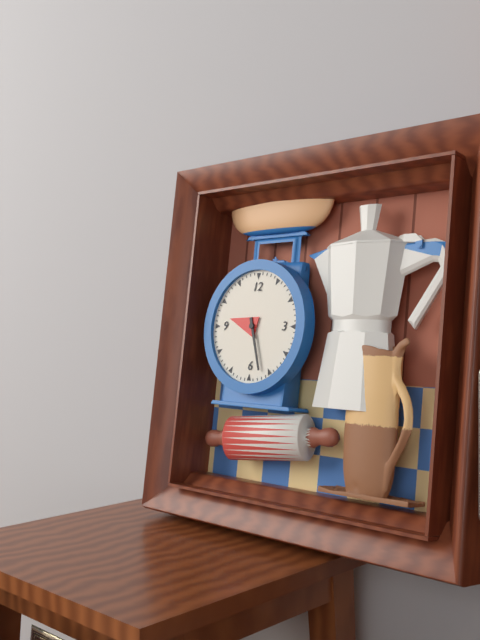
**9:27**
